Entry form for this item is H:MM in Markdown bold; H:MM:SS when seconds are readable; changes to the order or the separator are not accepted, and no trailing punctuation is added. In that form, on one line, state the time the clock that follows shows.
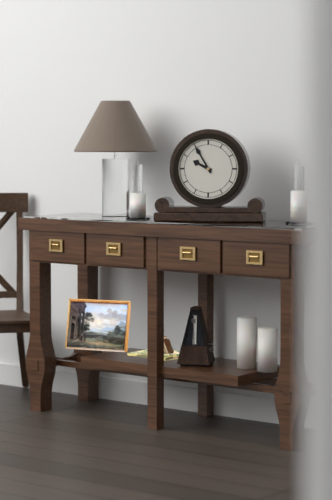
**9:55**
